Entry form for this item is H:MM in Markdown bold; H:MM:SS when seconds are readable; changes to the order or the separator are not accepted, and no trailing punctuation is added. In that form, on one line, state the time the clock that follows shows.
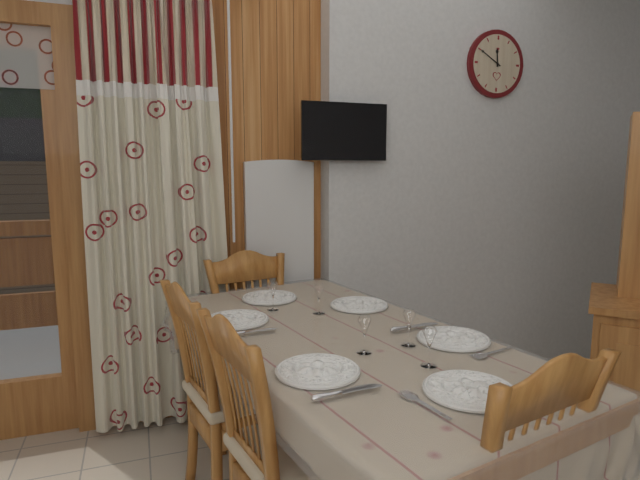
**11:50**
